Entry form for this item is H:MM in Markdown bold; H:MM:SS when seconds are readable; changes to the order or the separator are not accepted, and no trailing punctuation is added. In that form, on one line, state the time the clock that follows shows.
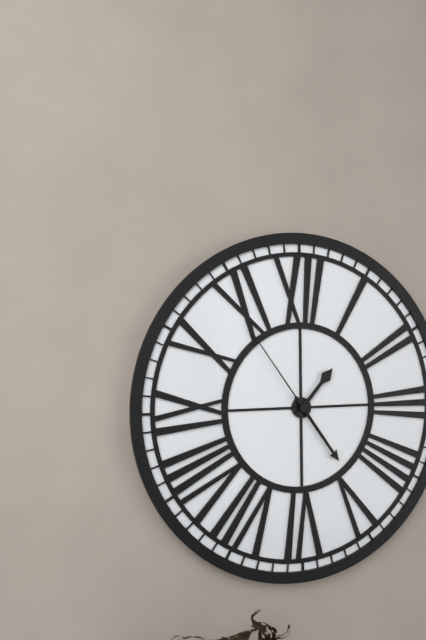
**1:24:54**
